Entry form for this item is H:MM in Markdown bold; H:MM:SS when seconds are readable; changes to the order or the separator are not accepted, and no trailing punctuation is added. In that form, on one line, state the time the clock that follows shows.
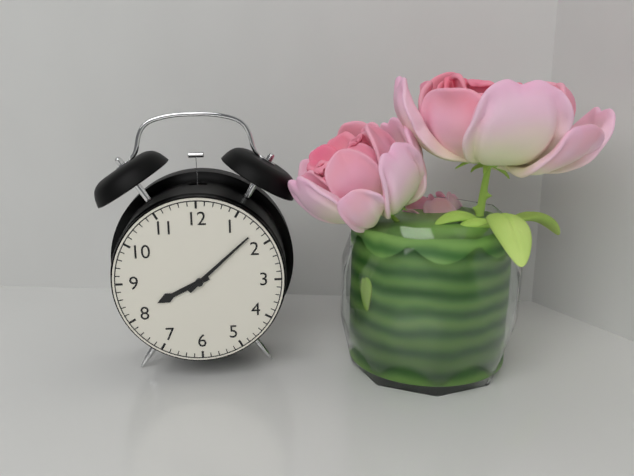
**8:08**
